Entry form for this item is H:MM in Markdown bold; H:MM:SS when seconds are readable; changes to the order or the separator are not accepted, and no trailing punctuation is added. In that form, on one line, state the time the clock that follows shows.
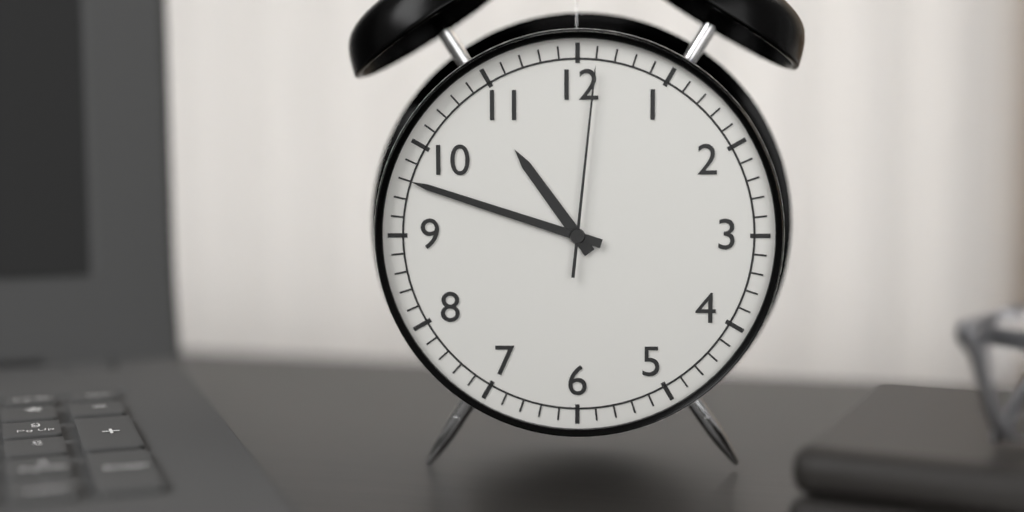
**10:48:01**
